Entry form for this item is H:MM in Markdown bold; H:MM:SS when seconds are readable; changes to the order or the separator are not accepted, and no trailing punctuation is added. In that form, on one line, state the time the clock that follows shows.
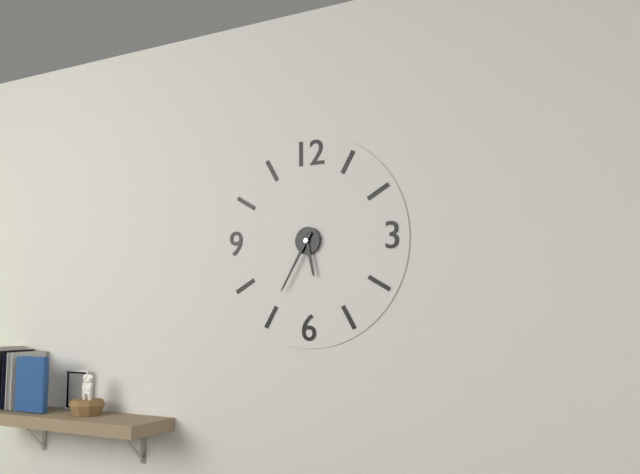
**5:35**
